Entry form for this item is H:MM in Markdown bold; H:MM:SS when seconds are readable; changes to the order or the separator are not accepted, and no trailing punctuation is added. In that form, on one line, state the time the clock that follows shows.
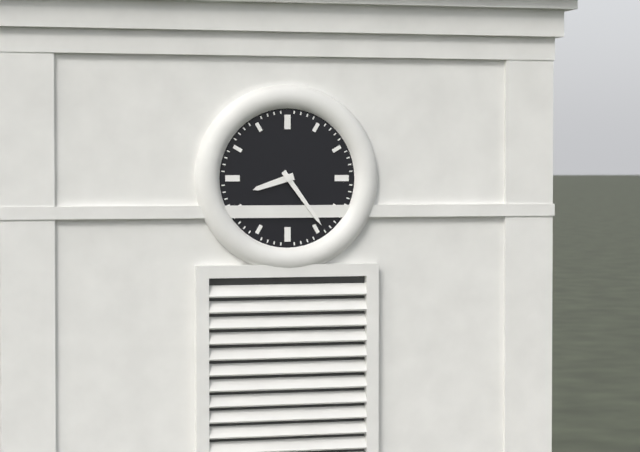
**8:24**
